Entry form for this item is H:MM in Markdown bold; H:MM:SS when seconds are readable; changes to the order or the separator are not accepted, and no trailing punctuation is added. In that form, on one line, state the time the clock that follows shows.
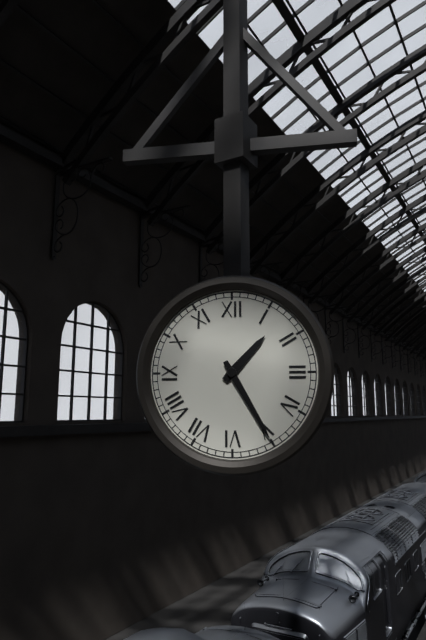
**1:25**
